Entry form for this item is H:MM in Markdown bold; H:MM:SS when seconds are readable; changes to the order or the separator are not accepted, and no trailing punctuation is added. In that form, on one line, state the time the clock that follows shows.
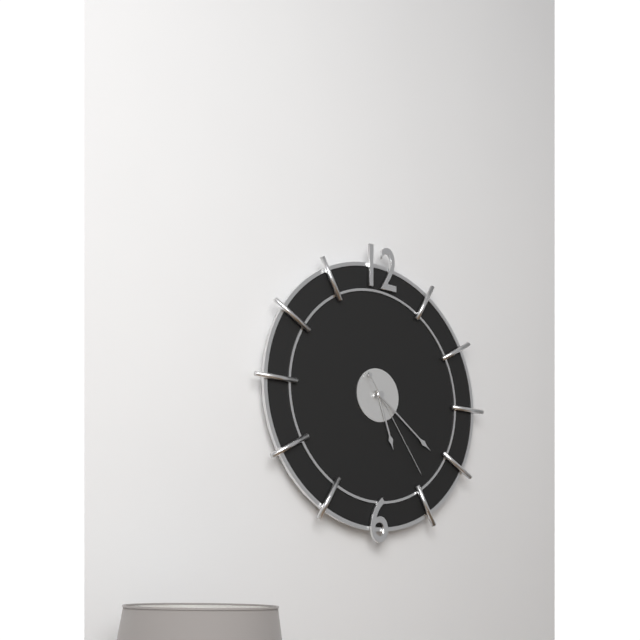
**5:21:24**
